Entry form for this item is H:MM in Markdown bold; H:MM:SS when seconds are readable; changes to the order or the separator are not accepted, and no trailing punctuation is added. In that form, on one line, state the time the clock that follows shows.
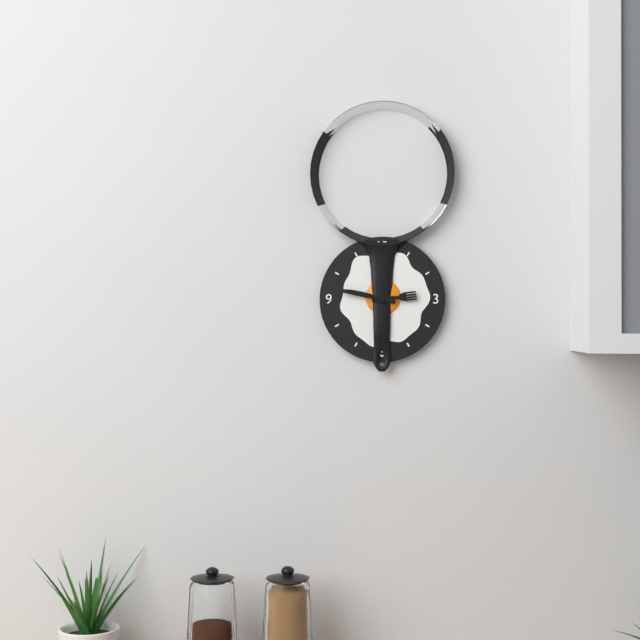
**2:47**
